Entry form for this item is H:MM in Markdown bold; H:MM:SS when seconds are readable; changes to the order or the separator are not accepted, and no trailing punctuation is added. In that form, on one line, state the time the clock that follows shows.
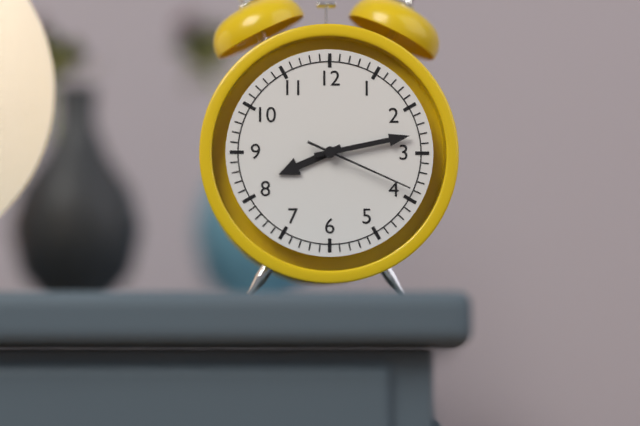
**8:13:19**
